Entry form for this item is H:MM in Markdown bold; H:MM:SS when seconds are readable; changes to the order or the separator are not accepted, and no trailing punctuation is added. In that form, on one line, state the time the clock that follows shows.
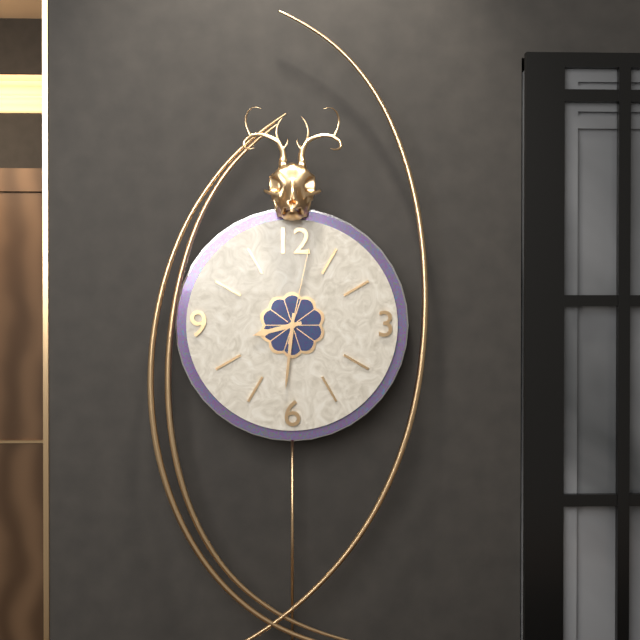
**8:31:02**
